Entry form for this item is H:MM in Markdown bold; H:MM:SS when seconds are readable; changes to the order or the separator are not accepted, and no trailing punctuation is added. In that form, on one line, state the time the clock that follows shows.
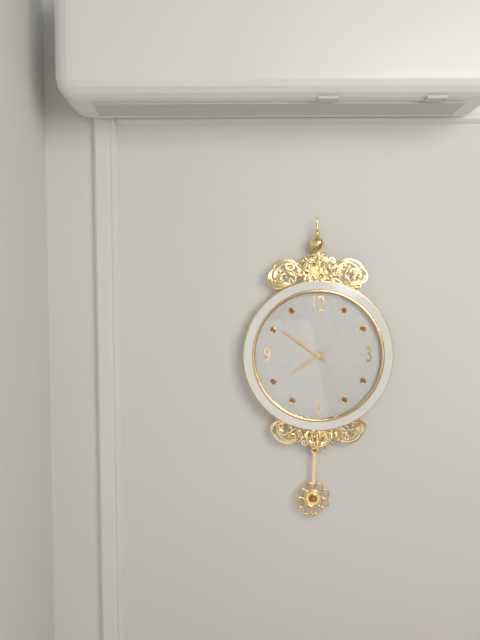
**7:51**
